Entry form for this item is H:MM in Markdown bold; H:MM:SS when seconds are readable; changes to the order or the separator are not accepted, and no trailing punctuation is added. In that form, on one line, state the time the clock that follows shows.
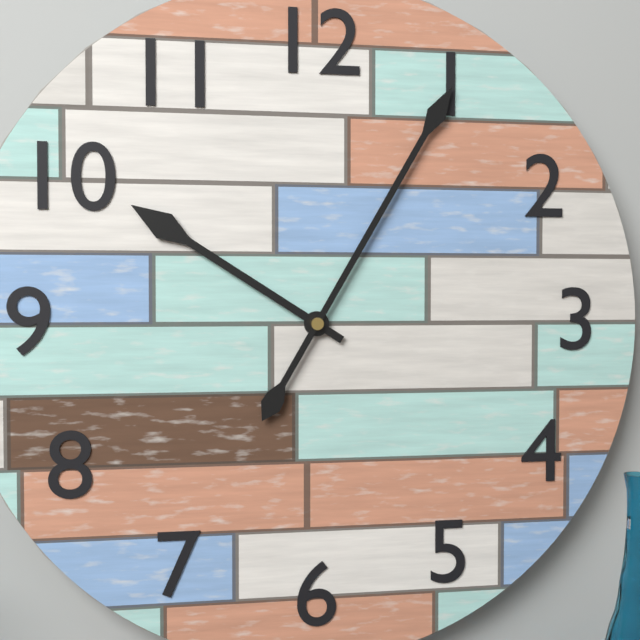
**10:05**
